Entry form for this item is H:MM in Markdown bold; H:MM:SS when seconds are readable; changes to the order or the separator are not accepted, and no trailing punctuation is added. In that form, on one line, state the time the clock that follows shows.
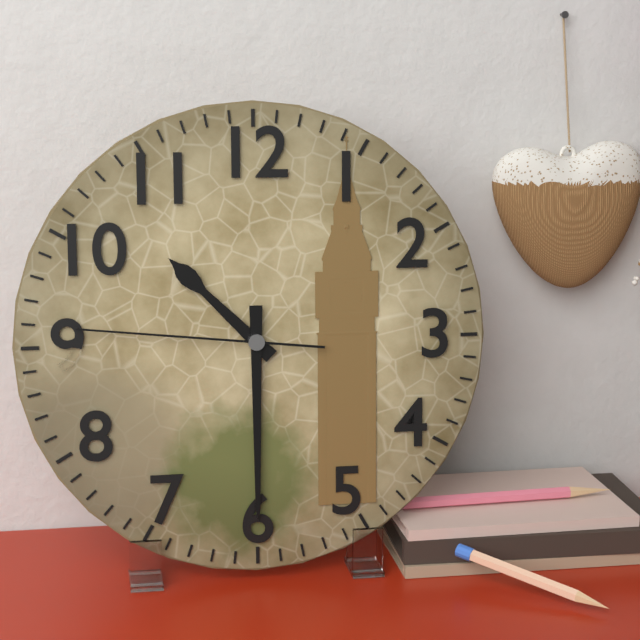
**10:30:46**
